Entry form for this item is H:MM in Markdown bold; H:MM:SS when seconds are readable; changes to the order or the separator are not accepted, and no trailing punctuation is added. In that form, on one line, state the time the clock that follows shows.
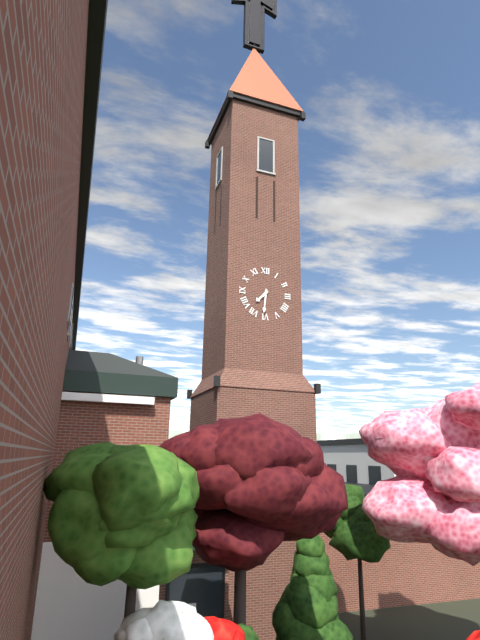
**7:31**
